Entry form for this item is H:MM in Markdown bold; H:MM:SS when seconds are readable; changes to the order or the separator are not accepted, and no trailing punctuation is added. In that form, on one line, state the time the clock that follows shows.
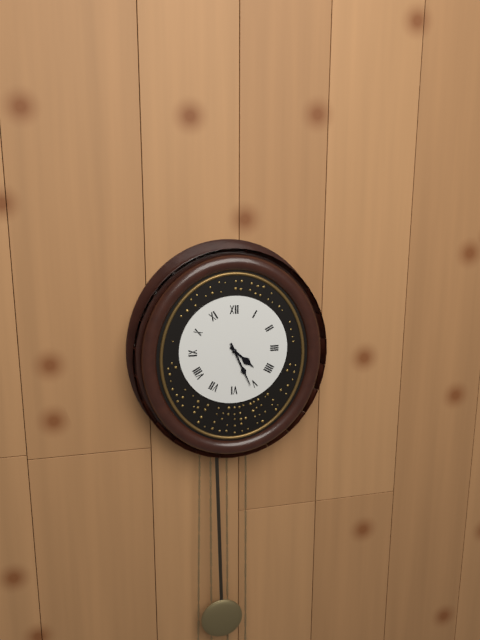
**4:26**
